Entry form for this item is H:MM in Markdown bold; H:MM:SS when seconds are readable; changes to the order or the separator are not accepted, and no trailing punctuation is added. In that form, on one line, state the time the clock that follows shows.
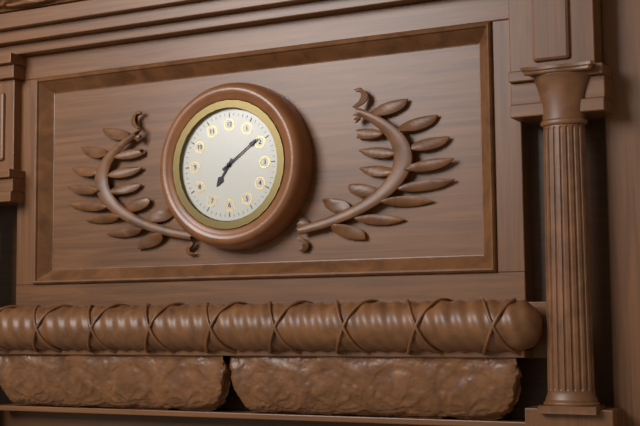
**7:09**
